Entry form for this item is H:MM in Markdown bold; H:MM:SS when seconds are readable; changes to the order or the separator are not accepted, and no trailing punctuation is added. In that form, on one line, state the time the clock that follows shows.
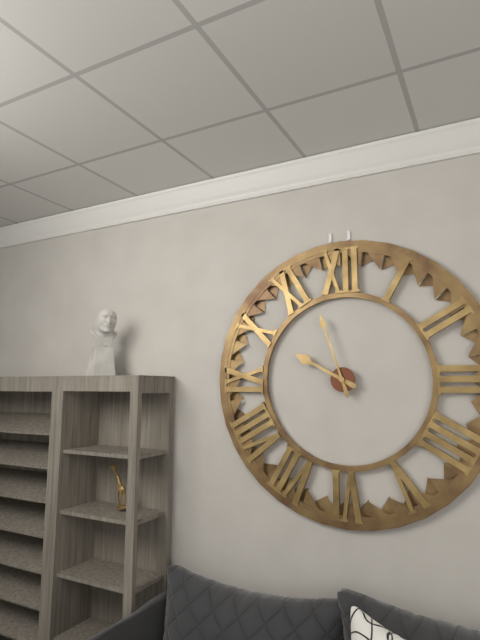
**9:57**
